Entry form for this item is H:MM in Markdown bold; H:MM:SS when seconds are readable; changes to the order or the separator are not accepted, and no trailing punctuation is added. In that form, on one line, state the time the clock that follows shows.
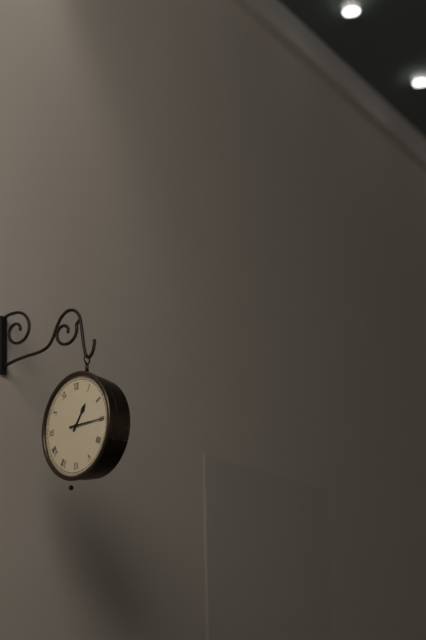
**1:15**
